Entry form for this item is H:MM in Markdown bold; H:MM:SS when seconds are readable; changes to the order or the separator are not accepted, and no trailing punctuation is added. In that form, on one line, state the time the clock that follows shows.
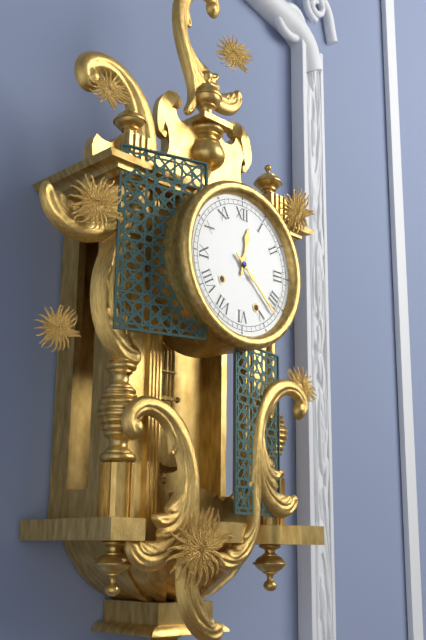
**12:22**
